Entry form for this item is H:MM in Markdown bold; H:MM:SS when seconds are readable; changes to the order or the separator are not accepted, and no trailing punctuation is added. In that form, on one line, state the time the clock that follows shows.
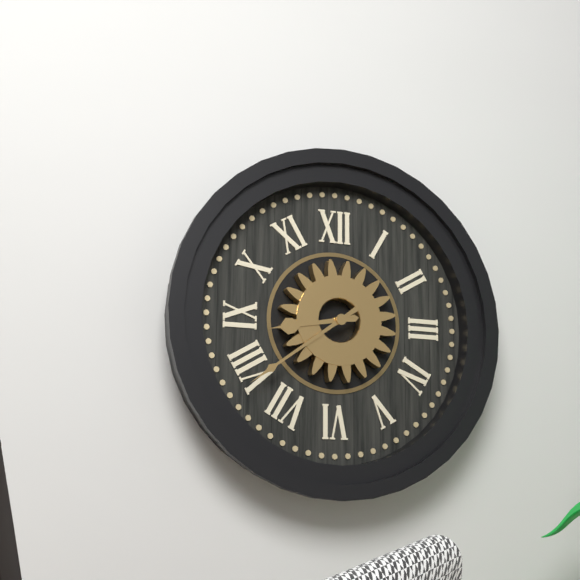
**8:39**
